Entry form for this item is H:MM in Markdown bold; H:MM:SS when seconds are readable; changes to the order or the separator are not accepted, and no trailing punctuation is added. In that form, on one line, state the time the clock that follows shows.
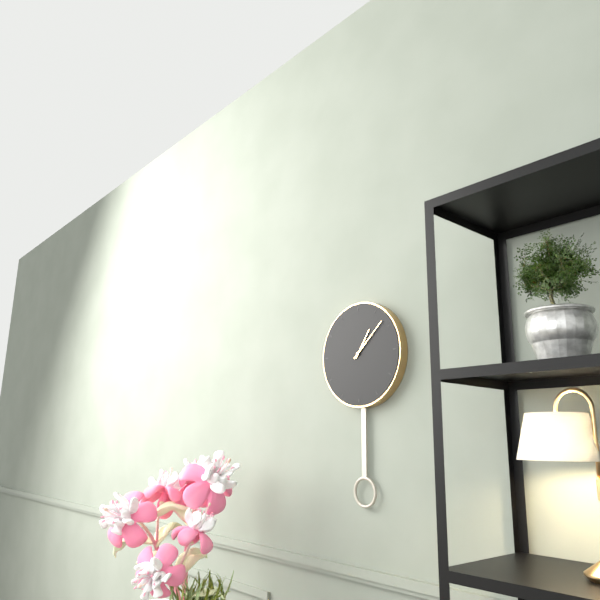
**1:08**
